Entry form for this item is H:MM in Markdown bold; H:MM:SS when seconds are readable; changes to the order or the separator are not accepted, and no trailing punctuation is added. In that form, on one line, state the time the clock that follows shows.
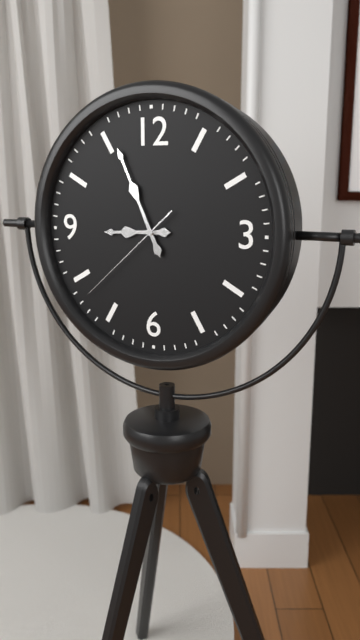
**8:56:38**
